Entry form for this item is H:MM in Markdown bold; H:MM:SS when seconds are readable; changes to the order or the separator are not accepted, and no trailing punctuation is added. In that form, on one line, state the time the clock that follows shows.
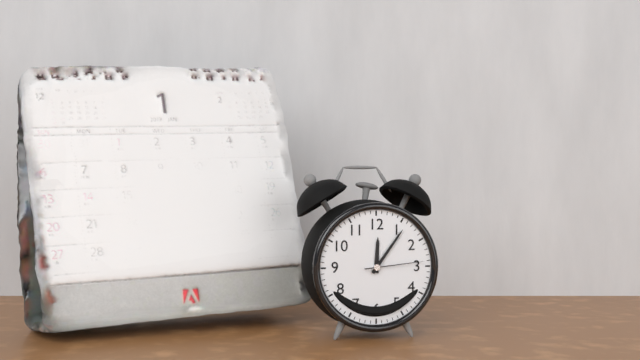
**12:06:14**
